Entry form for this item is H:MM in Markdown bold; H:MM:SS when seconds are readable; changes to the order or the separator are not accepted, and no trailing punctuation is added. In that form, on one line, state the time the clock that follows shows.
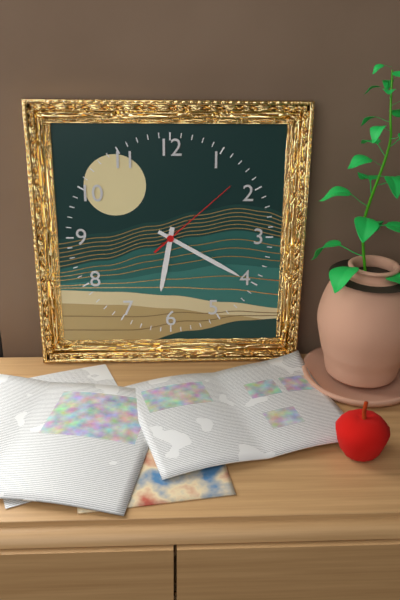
**6:20:08**
